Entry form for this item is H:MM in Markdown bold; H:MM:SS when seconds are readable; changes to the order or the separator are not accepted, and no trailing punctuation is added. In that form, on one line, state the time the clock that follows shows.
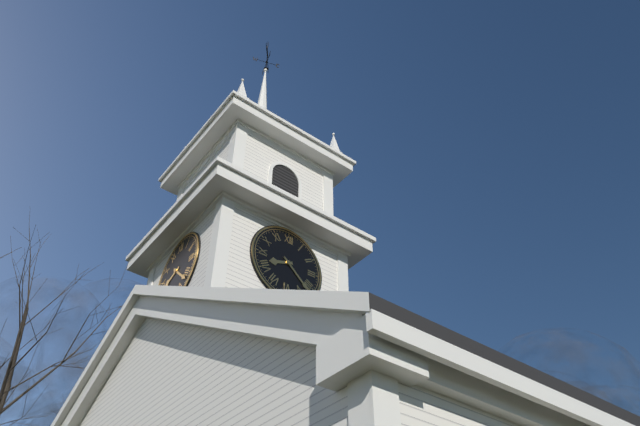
**8:22**
